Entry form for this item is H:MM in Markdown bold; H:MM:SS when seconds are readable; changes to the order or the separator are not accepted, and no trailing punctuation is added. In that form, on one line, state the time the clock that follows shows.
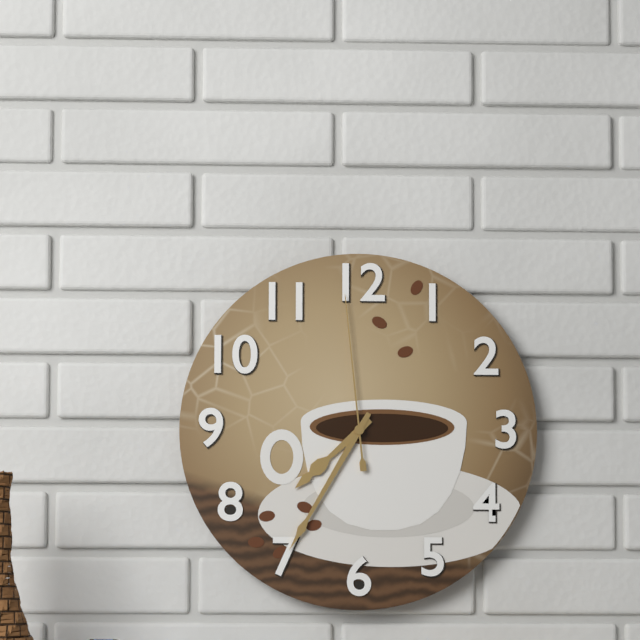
**7:35:59**
